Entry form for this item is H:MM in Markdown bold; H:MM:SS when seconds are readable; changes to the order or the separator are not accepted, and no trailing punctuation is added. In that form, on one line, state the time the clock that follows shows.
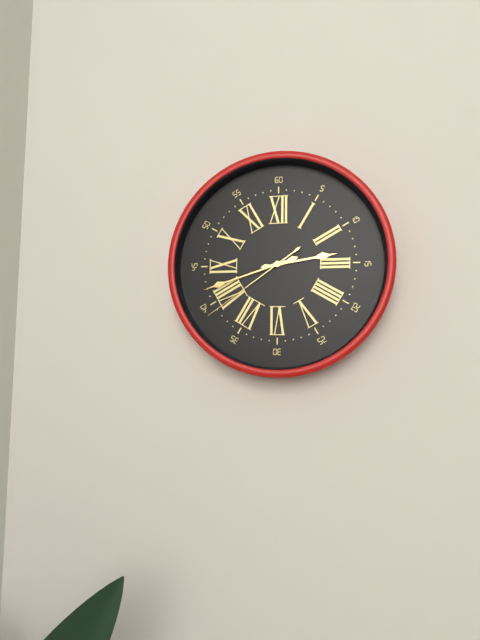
**2:42:39**
